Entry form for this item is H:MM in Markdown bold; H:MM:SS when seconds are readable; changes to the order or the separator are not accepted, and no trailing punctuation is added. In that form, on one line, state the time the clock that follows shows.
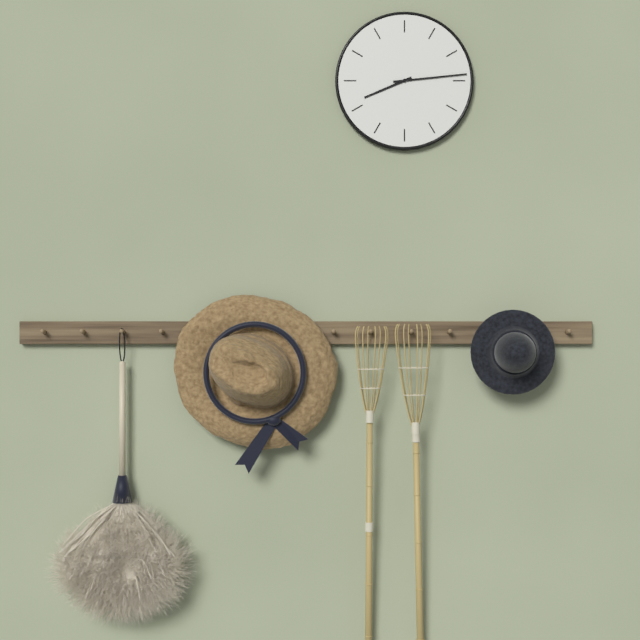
**8:14**
